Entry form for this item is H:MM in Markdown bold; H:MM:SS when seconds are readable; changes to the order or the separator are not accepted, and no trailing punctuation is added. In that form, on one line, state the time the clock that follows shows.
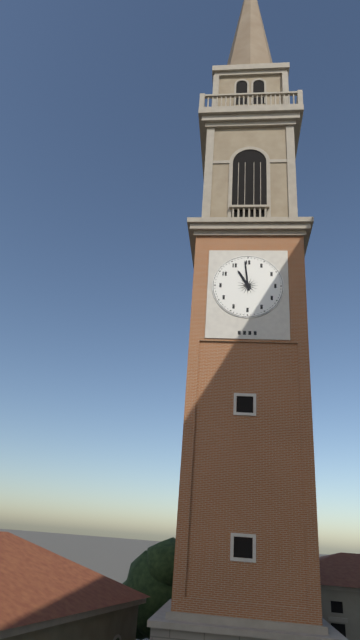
**10:59**
